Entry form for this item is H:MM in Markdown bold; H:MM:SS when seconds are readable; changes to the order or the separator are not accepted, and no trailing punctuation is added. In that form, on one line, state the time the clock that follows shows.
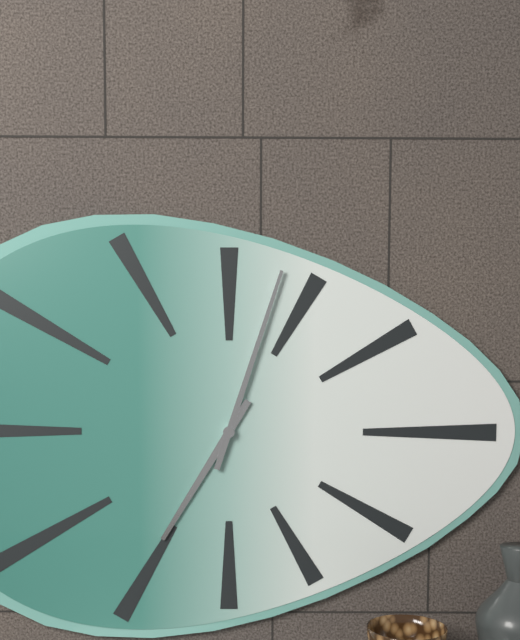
**7:03**
